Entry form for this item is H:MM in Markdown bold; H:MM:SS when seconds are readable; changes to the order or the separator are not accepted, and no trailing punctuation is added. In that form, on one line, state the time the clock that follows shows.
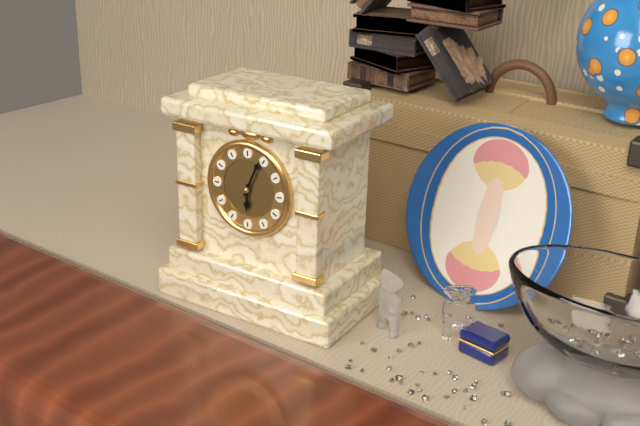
**6:04**
